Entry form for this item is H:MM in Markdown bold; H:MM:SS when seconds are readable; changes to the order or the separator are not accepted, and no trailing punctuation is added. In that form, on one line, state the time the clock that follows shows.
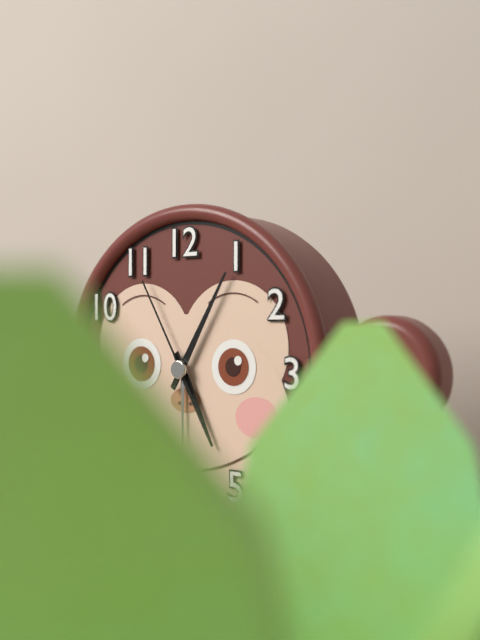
**5:05:55**
